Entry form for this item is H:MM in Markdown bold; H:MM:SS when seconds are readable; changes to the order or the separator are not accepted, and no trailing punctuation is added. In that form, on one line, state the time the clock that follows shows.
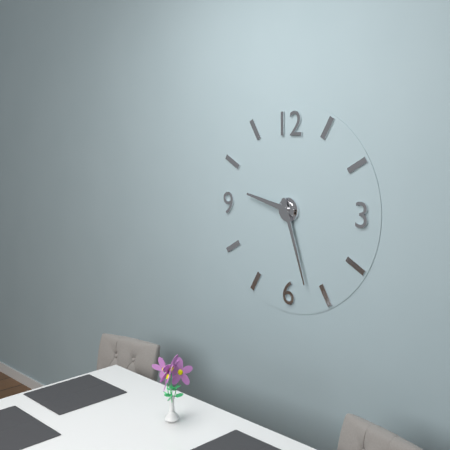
**9:27**
